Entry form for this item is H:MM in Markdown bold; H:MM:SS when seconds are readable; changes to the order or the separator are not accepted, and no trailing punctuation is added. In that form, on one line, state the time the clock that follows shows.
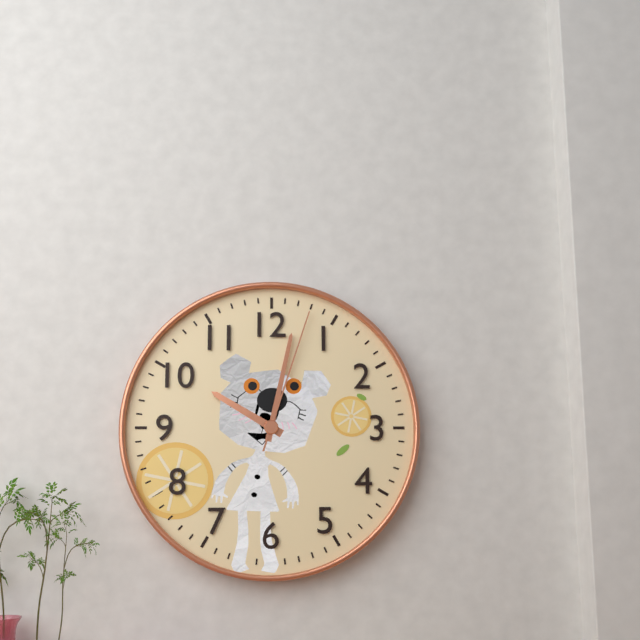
**10:02:03**
